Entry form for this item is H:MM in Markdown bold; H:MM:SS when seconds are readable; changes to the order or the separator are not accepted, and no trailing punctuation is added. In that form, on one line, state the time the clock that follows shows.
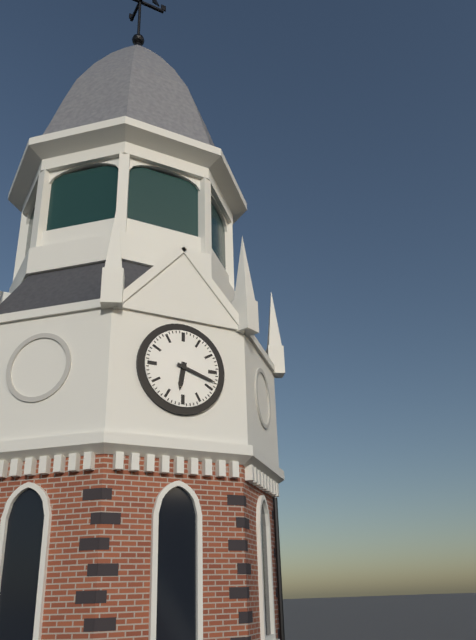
**6:18**
